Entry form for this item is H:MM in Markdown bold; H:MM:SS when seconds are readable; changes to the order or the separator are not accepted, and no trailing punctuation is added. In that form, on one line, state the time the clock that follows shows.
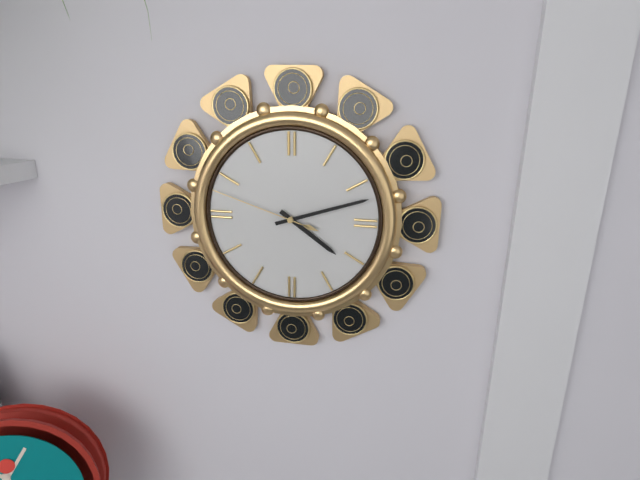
**4:12:48**
